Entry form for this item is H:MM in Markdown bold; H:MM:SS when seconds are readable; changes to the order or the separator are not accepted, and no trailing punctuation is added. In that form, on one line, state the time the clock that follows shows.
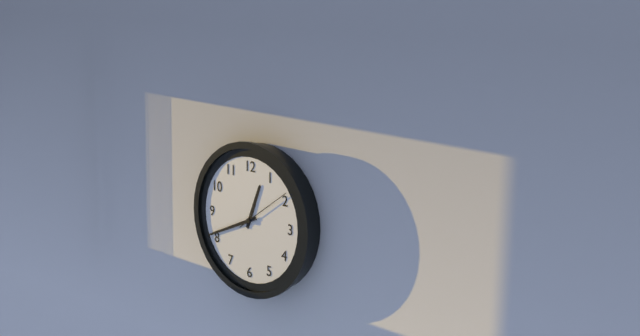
**12:41:09**
